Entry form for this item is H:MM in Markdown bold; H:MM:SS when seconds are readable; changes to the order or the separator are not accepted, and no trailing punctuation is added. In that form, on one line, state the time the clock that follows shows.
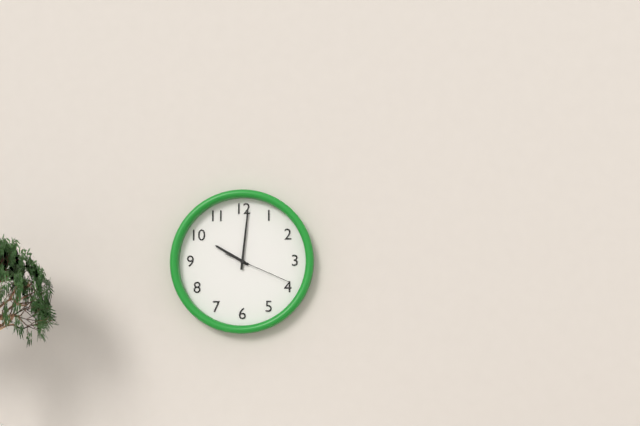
**10:01:19**
